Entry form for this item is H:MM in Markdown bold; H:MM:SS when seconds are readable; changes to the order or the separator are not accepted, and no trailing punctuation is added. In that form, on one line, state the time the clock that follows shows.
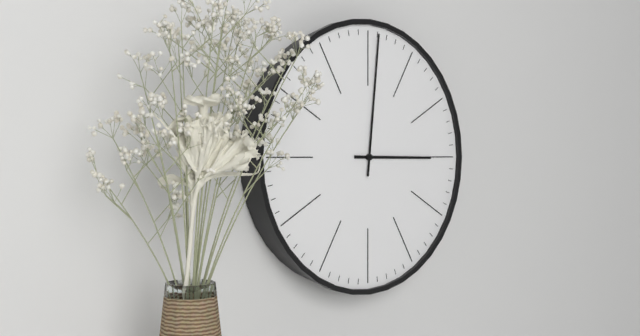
**3:01**
